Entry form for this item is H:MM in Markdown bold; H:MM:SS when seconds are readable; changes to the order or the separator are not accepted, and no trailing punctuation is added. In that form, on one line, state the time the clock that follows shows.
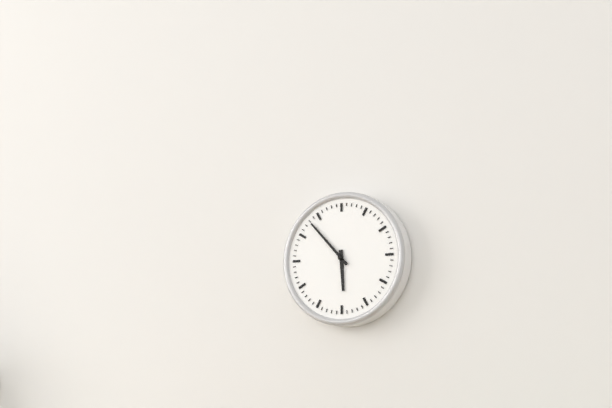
**5:53**
